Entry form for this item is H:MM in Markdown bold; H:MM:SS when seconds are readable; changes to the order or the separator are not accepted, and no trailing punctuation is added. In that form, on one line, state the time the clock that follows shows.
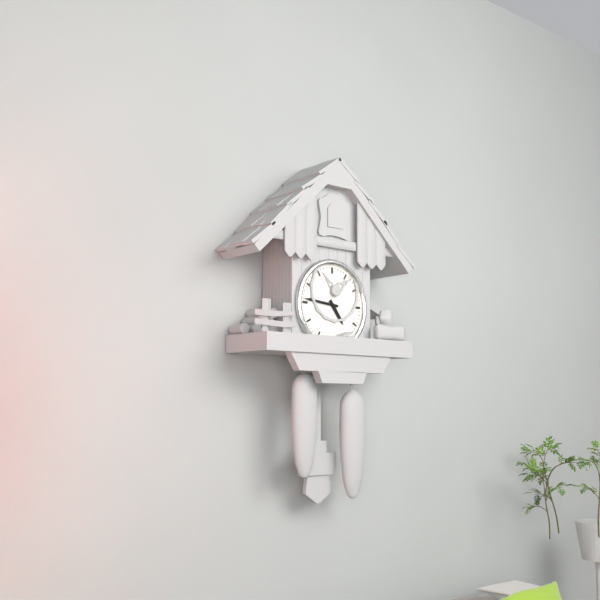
**4:46**
